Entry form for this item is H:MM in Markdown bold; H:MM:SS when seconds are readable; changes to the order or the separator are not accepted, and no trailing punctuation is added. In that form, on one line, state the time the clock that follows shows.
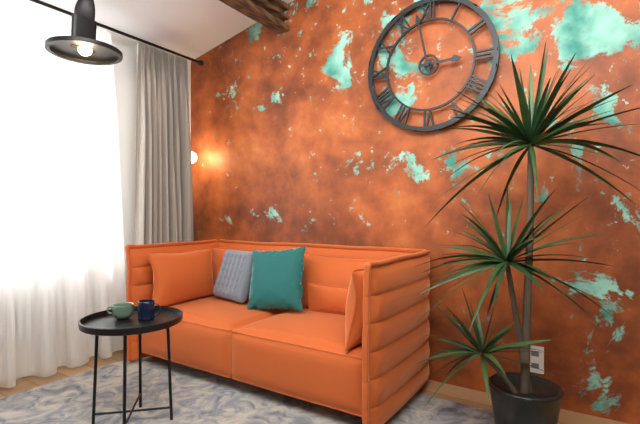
**2:58**
